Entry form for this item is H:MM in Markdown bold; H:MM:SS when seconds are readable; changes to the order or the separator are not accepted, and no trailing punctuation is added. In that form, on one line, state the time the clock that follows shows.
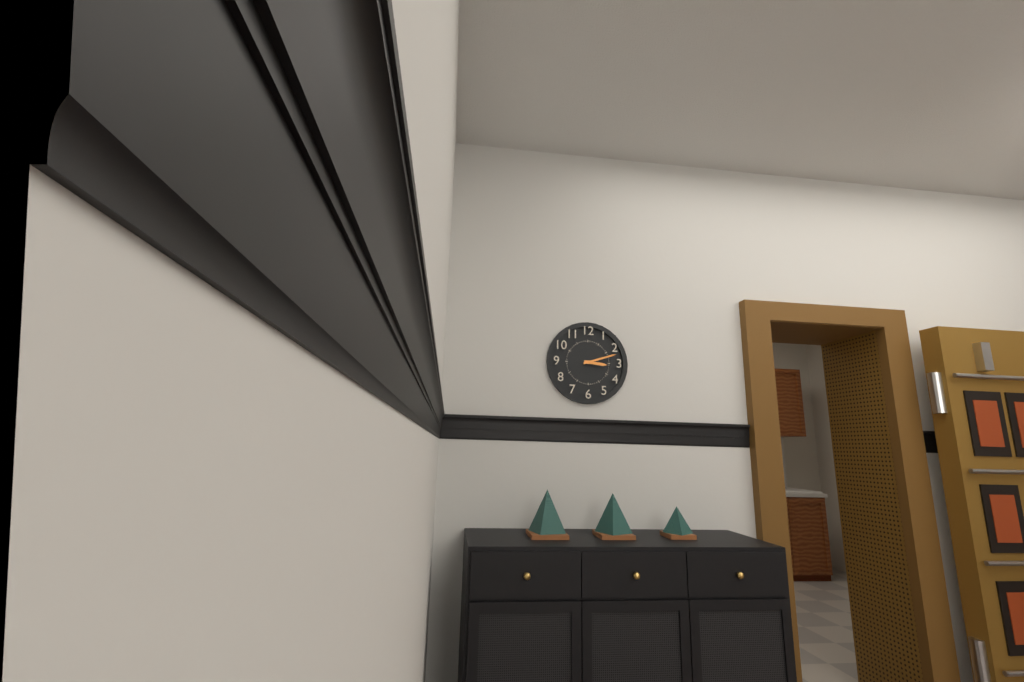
**3:12**
